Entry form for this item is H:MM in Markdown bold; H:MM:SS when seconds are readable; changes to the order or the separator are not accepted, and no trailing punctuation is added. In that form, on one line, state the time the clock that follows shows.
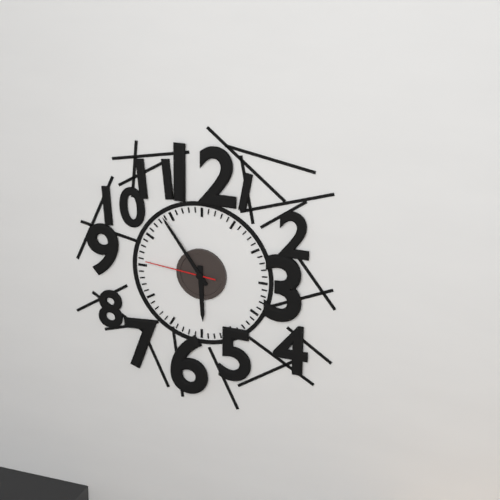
**5:54:46**
